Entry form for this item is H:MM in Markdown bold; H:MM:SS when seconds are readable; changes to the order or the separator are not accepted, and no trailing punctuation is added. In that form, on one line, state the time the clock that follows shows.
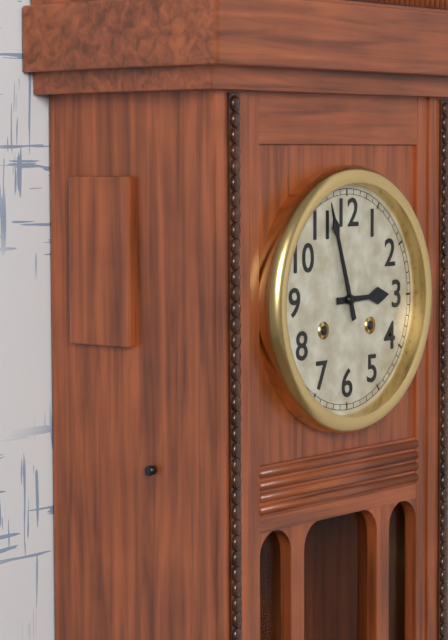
**2:57**
